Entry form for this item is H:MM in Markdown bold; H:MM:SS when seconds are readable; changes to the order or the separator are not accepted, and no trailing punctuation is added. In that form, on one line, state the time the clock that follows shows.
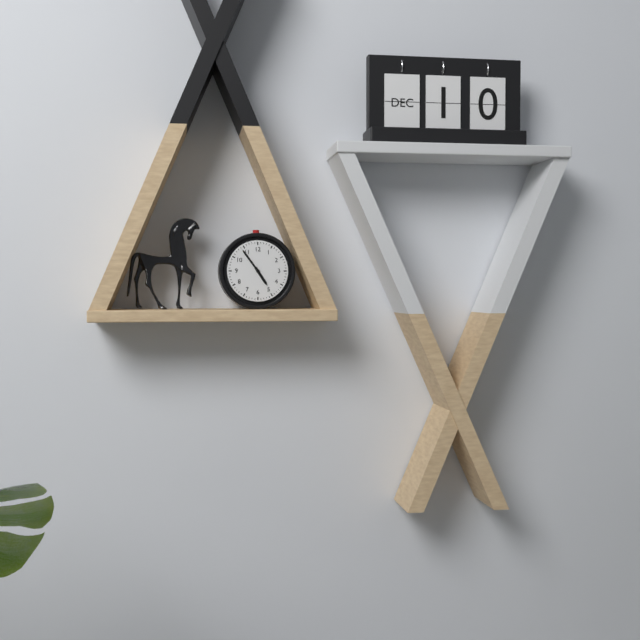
**4:54**
